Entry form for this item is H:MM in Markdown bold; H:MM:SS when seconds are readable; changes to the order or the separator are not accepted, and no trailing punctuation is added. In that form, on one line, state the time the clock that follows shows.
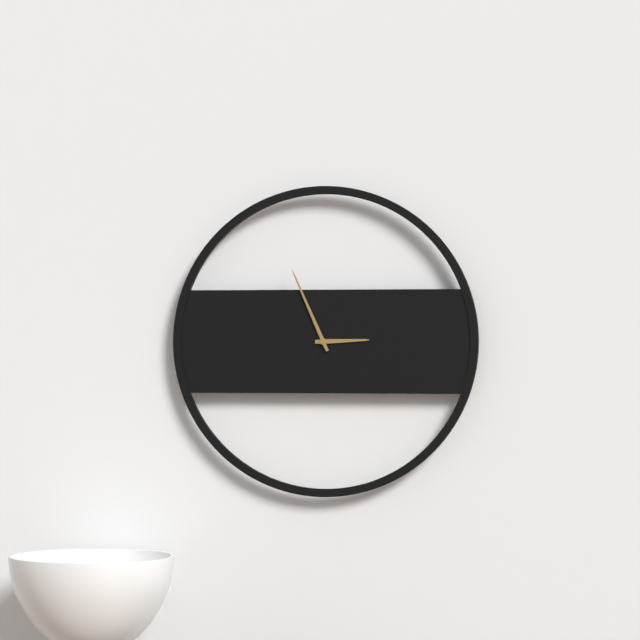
**2:56**
